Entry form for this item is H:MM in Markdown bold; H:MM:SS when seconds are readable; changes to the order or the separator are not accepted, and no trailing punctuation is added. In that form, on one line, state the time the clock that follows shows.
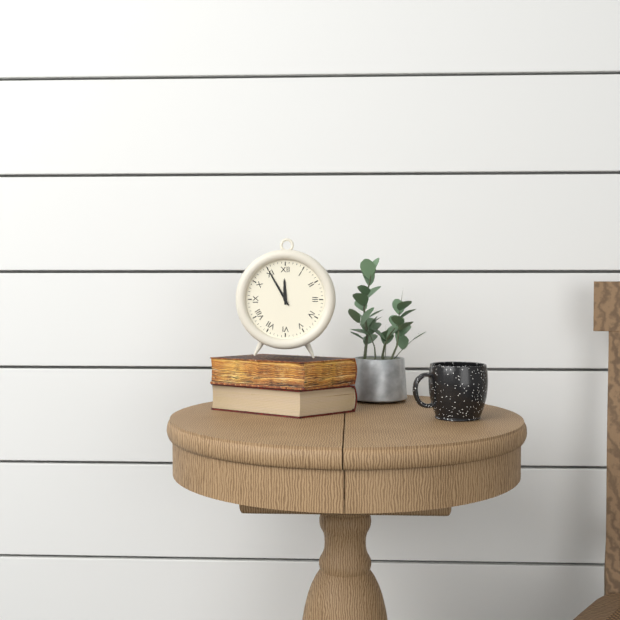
**11:55**
